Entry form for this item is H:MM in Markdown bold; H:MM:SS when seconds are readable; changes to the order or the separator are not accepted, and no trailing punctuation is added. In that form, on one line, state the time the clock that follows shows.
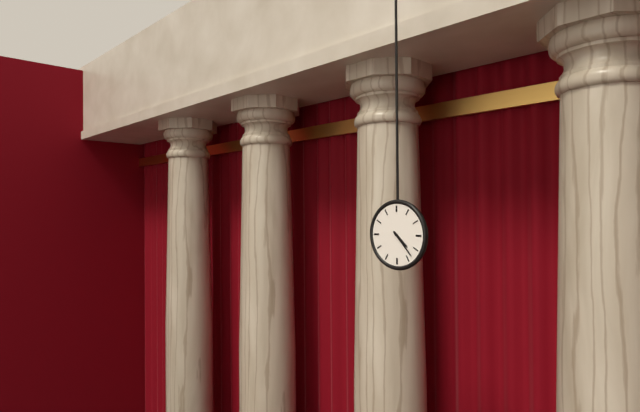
**4:23**
